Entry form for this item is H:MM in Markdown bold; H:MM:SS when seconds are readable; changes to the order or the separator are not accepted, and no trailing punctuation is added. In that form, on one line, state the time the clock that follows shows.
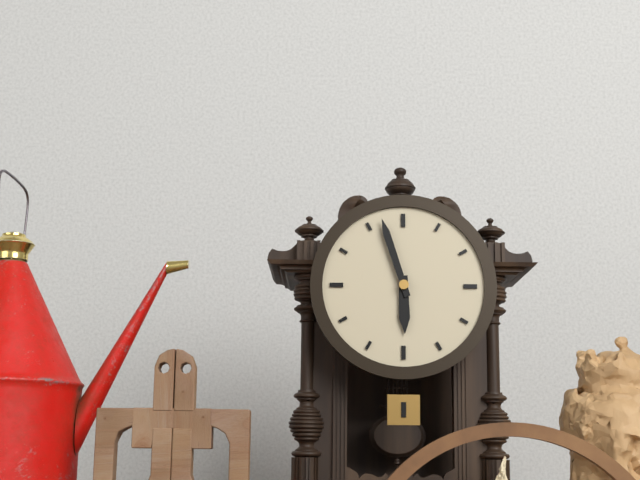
**5:57**
